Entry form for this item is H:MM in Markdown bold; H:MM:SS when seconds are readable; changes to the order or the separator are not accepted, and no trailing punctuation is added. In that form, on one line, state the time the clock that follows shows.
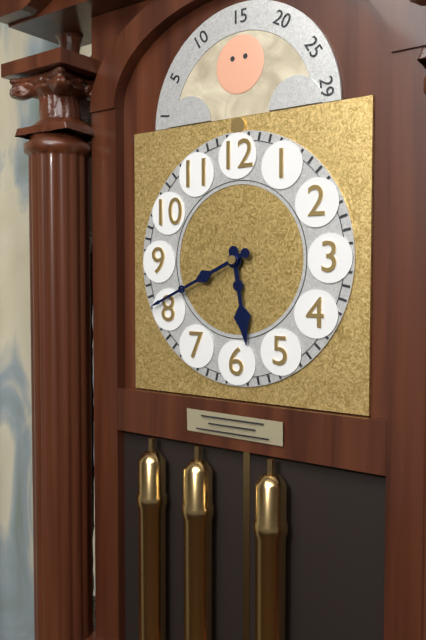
**5:41**
